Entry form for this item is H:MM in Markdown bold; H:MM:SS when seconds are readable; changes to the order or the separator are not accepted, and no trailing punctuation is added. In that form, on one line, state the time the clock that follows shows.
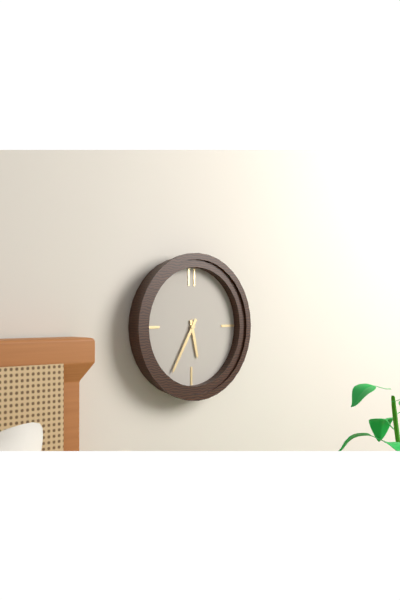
**5:35**
